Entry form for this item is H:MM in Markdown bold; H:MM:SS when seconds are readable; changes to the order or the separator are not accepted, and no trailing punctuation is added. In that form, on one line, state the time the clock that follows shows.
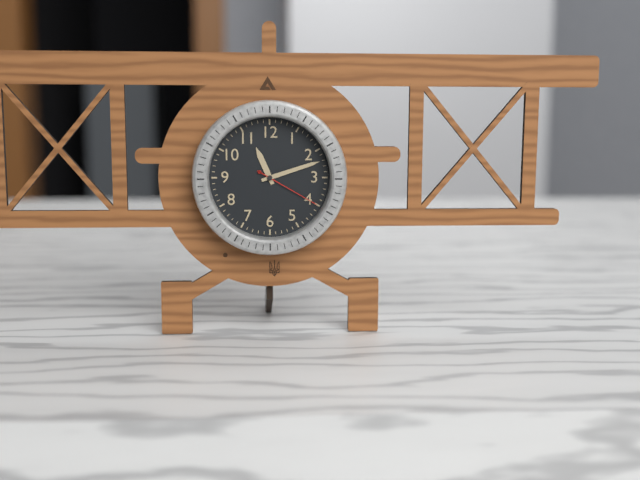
**11:12:20**
